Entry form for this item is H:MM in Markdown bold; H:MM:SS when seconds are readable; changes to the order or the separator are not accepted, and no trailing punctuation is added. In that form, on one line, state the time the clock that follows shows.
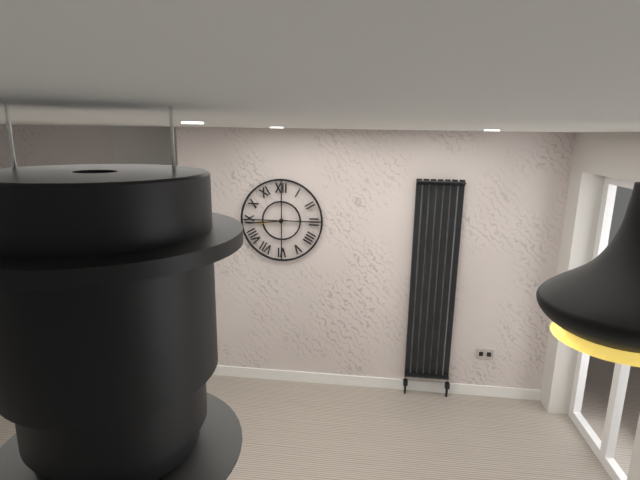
**8:44**
